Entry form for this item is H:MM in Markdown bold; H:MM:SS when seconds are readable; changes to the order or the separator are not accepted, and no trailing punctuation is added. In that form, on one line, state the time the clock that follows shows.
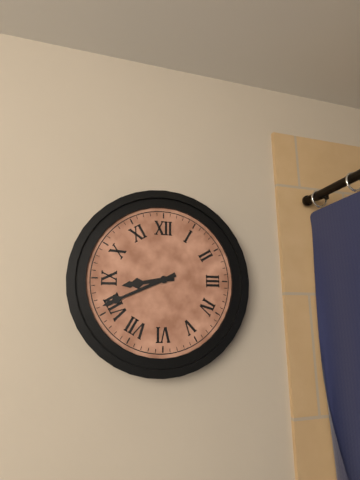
**8:41**
